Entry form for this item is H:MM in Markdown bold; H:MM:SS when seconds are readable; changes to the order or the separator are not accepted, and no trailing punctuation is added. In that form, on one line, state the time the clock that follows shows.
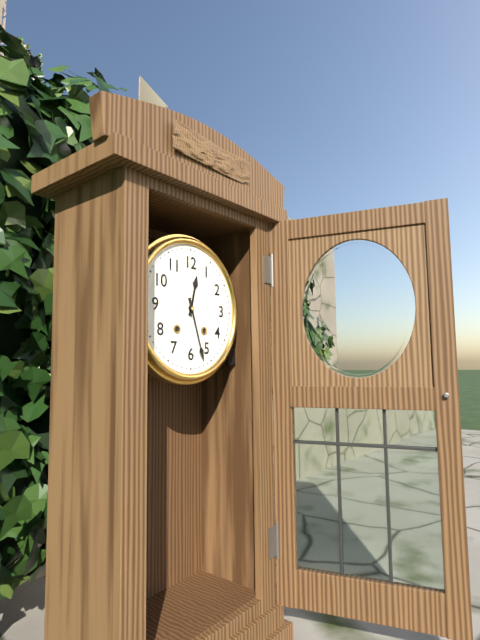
**12:27**
